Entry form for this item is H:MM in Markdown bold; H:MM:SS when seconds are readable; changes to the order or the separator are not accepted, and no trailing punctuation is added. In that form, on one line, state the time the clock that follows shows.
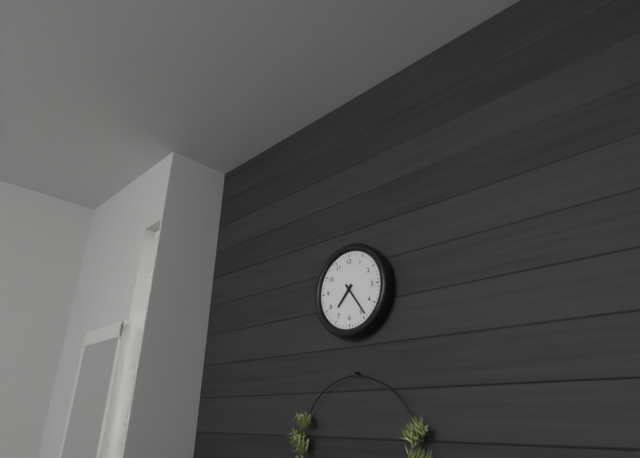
**7:24**
